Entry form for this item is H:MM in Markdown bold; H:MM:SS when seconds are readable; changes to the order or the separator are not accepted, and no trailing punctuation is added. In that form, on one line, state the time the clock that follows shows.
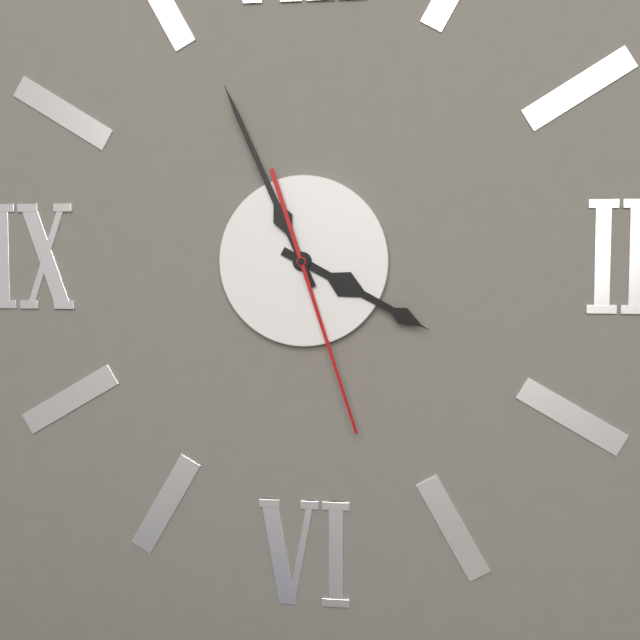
**3:56:27**
